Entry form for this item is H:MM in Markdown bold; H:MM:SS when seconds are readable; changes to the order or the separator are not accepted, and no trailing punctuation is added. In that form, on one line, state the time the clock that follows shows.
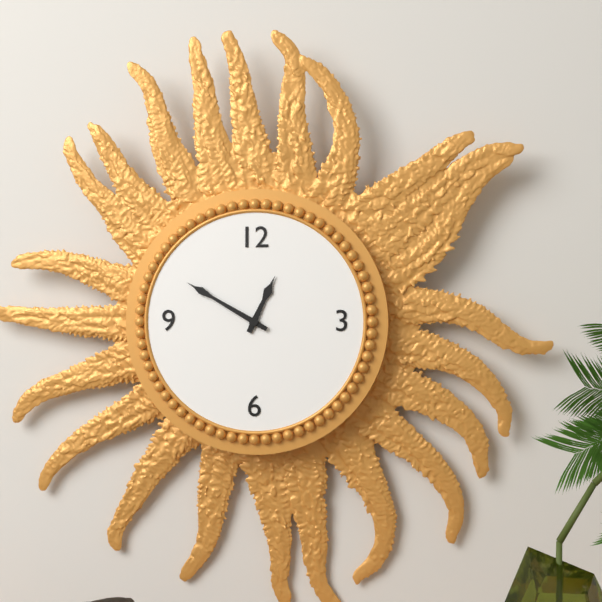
**12:50**
